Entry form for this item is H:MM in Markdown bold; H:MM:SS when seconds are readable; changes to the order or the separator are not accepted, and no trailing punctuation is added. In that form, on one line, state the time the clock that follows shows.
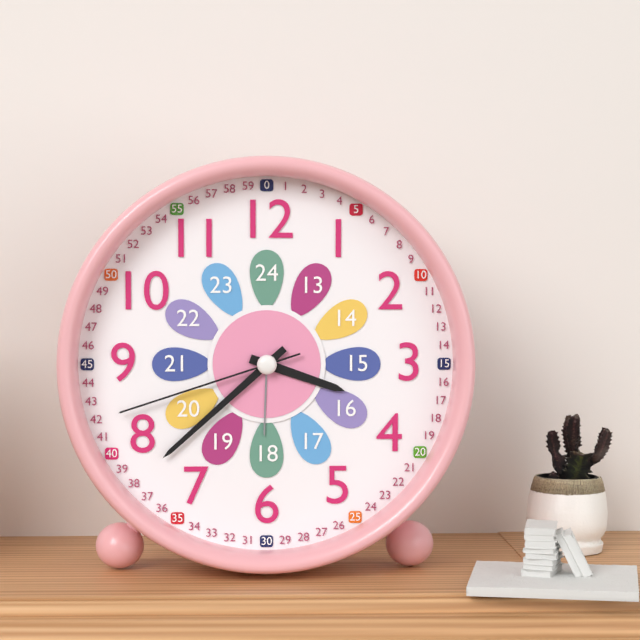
**3:38:42**
